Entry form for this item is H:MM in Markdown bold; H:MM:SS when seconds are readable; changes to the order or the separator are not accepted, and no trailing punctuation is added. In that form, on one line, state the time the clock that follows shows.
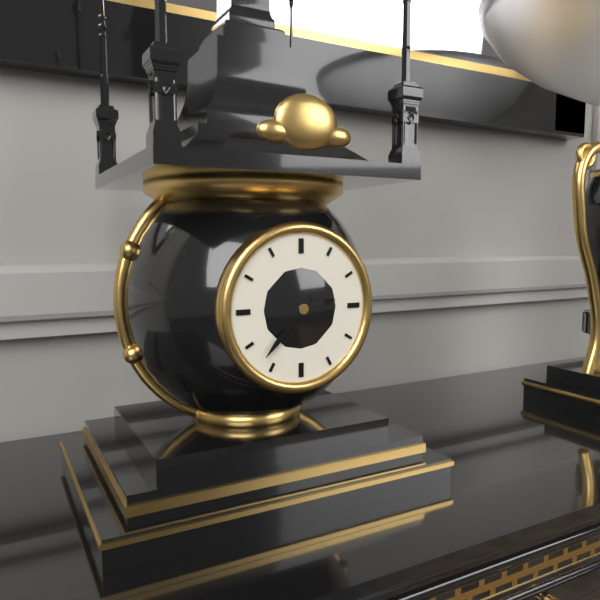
**2:37**
